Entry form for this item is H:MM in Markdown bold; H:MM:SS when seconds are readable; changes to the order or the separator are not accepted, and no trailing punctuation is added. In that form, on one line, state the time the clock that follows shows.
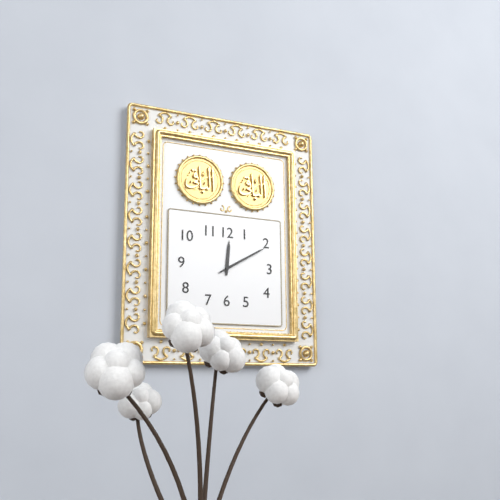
**12:10**
